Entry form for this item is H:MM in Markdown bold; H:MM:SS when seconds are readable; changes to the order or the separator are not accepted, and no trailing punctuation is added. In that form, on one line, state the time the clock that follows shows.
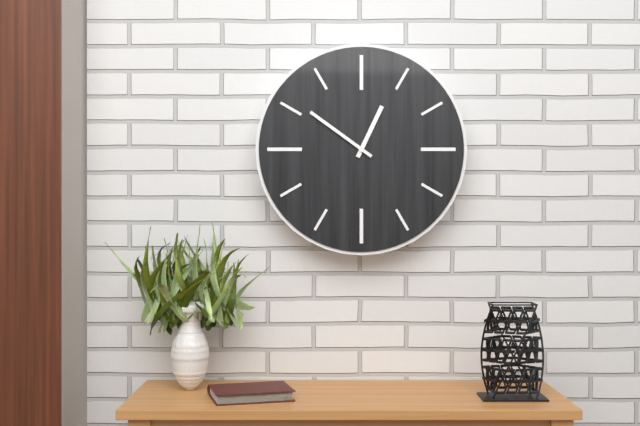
**12:51**
